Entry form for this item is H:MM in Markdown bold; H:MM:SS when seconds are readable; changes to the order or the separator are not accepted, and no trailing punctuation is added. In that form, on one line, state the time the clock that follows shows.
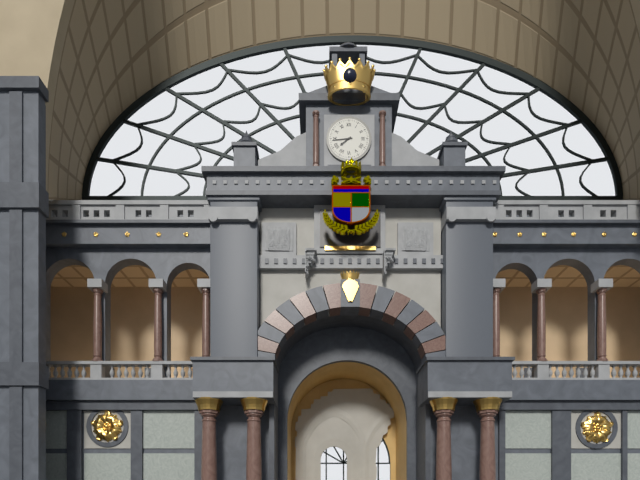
**7:44**
